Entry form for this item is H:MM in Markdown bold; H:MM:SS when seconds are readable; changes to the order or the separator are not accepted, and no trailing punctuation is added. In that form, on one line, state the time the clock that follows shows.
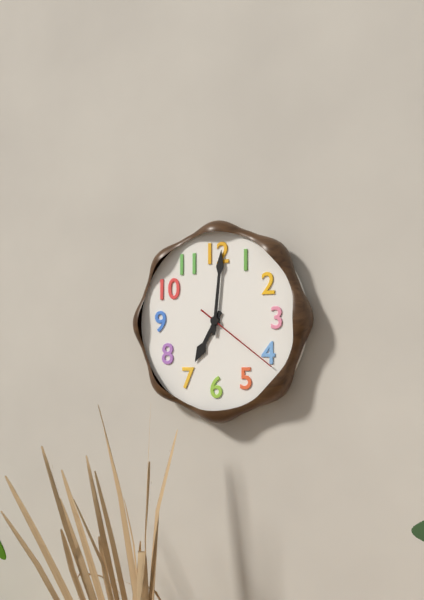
**7:01:21**
